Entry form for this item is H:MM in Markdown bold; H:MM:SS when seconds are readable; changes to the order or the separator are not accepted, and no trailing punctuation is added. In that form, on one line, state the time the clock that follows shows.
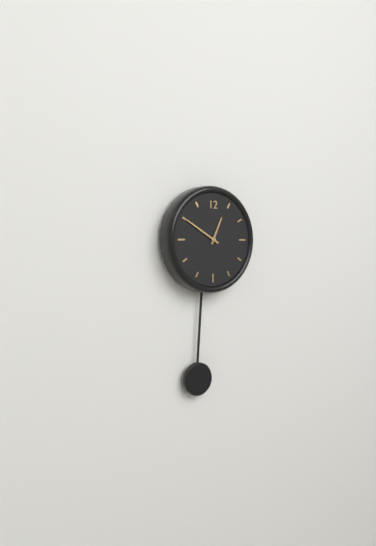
**12:50**
